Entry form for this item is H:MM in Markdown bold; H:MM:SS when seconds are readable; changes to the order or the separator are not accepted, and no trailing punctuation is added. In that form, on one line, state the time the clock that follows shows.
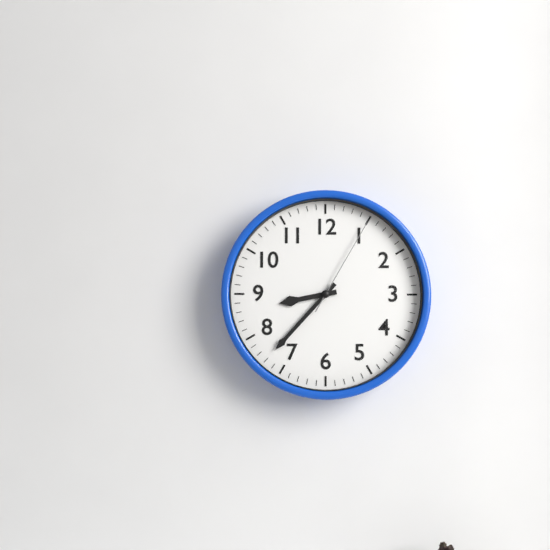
**8:37:05**
